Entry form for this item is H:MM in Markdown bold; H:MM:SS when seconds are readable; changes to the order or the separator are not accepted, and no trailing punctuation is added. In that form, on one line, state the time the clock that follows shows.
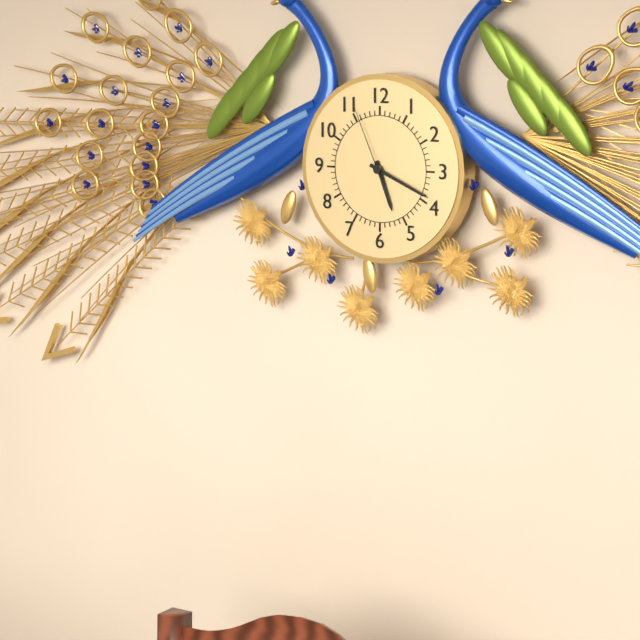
**5:19:56**
